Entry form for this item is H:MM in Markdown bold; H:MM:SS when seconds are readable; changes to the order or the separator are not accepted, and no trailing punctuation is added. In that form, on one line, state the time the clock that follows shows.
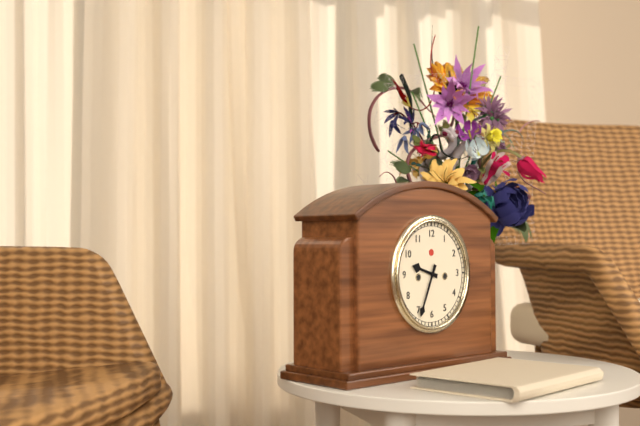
**9:34**
